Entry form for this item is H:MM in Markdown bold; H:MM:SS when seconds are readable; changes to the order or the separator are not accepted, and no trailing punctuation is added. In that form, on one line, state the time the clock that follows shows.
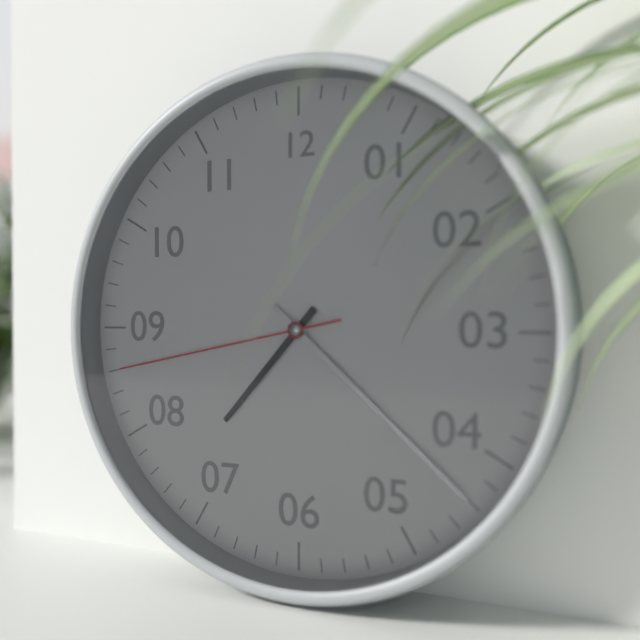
**7:22:43**
